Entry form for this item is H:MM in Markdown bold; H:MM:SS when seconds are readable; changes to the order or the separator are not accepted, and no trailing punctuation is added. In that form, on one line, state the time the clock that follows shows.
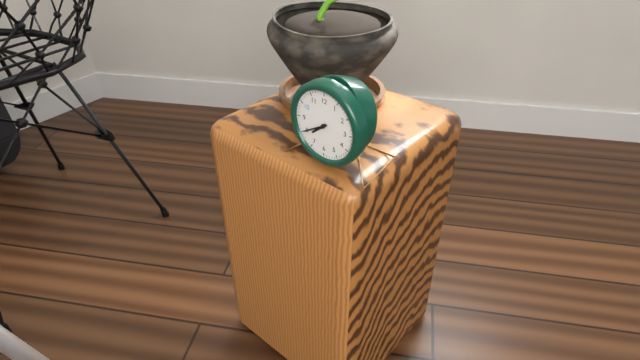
**7:40**
